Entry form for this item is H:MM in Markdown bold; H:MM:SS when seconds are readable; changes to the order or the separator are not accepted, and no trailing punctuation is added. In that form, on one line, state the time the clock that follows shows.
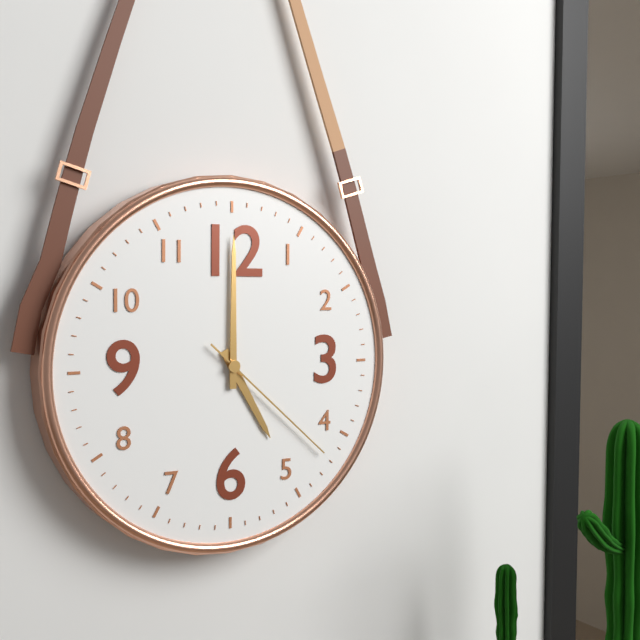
**5:00:22**
